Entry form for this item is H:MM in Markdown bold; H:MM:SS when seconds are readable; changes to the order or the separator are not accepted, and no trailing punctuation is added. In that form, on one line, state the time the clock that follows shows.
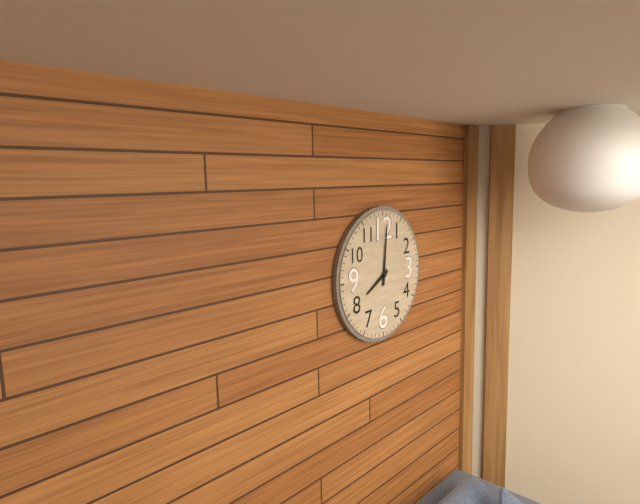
**8:01**
